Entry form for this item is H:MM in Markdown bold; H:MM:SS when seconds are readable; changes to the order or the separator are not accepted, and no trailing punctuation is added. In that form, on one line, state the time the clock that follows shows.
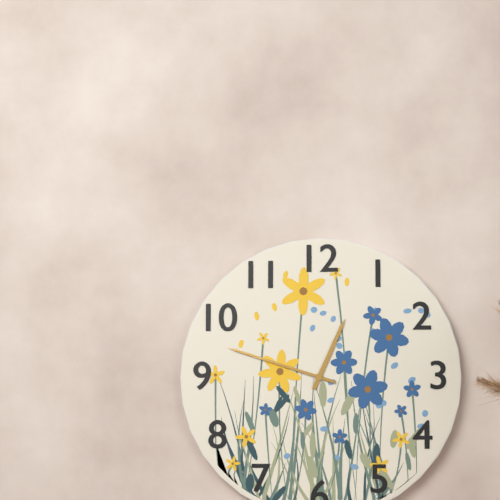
**12:48**
